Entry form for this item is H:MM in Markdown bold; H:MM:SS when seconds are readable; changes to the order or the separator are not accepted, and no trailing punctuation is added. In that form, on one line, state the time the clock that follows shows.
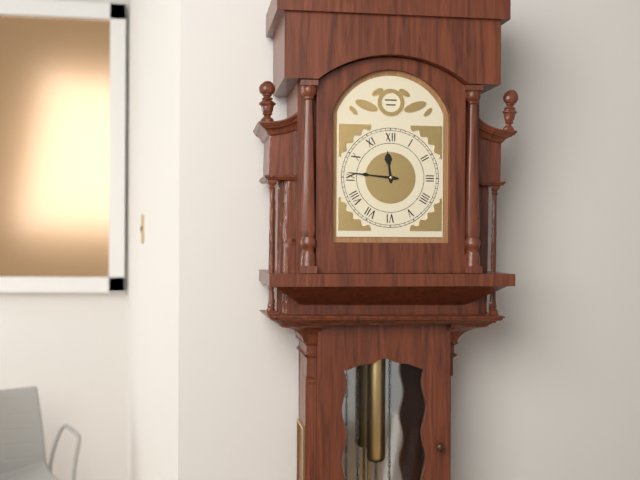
**11:46**
